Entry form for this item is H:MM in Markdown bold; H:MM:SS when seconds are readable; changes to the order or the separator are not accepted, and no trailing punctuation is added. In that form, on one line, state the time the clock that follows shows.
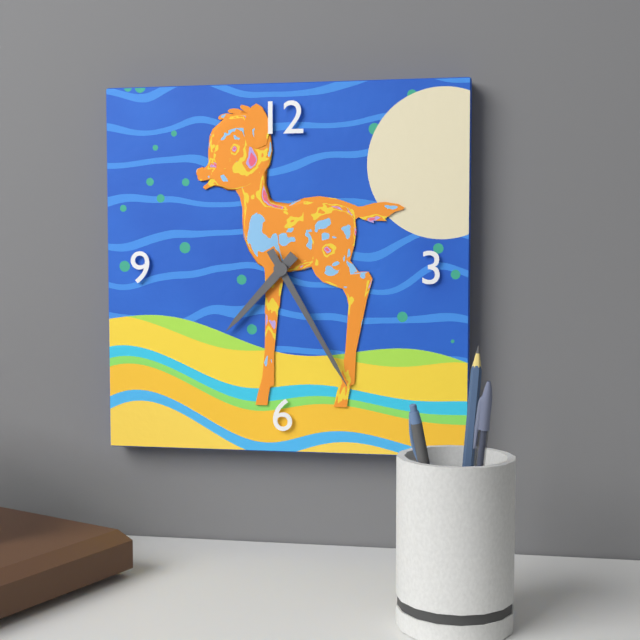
**7:25**
